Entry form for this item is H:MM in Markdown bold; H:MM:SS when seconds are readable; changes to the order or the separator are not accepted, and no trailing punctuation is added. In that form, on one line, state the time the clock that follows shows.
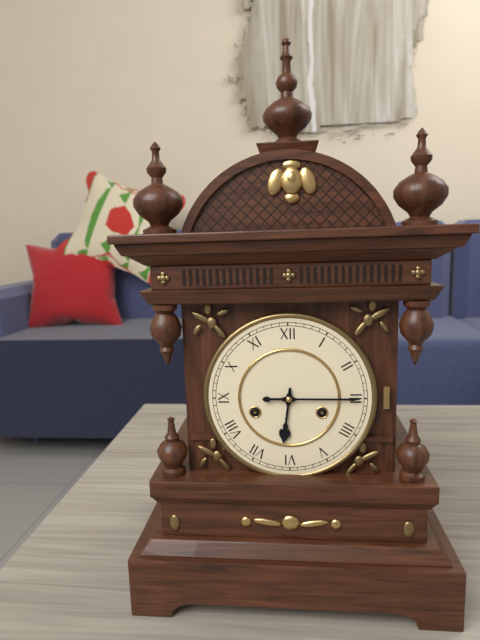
**6:15**
